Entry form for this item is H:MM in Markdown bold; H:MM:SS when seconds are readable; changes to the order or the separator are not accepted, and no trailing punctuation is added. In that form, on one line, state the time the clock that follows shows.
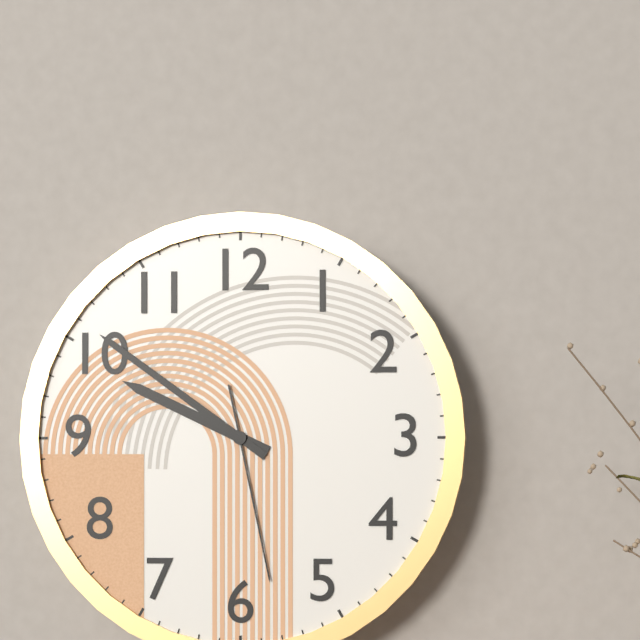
**9:51:28**
